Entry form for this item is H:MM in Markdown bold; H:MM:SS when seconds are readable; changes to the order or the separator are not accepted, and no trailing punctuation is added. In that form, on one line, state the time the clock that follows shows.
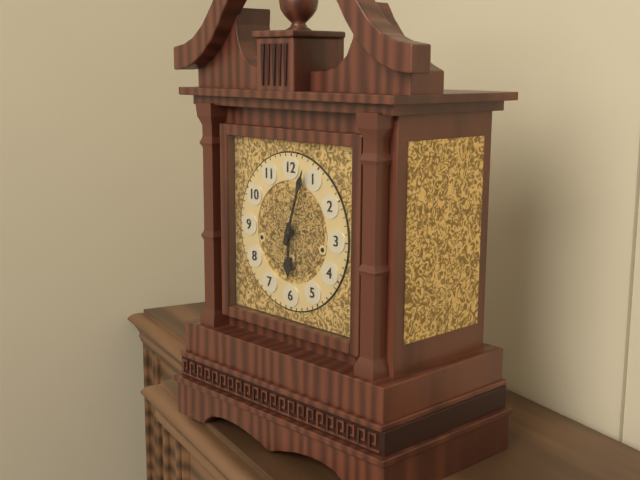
**6:03**
